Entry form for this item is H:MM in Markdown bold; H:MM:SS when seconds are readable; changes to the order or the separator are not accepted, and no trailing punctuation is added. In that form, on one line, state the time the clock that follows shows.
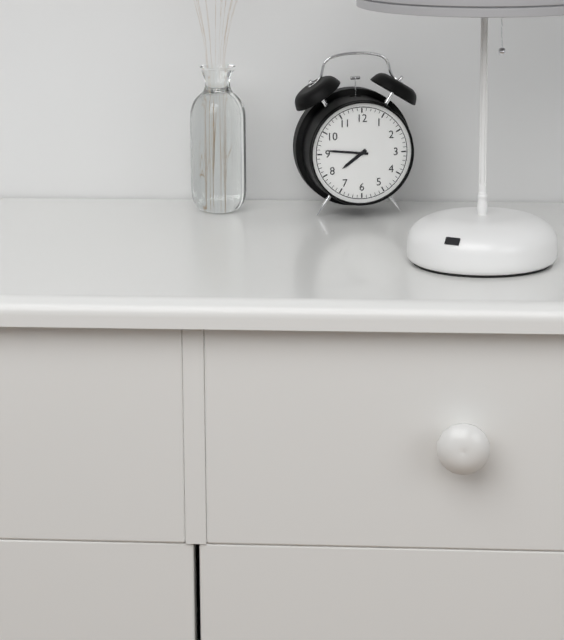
**7:46**
